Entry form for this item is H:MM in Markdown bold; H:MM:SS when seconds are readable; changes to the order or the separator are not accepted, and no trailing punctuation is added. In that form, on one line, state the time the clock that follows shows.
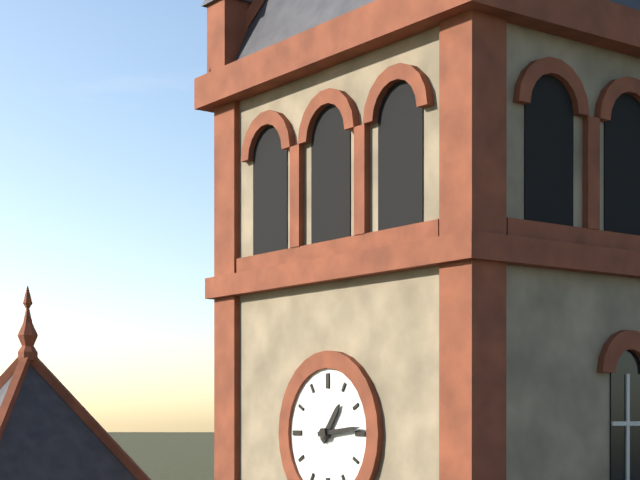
**1:14**
